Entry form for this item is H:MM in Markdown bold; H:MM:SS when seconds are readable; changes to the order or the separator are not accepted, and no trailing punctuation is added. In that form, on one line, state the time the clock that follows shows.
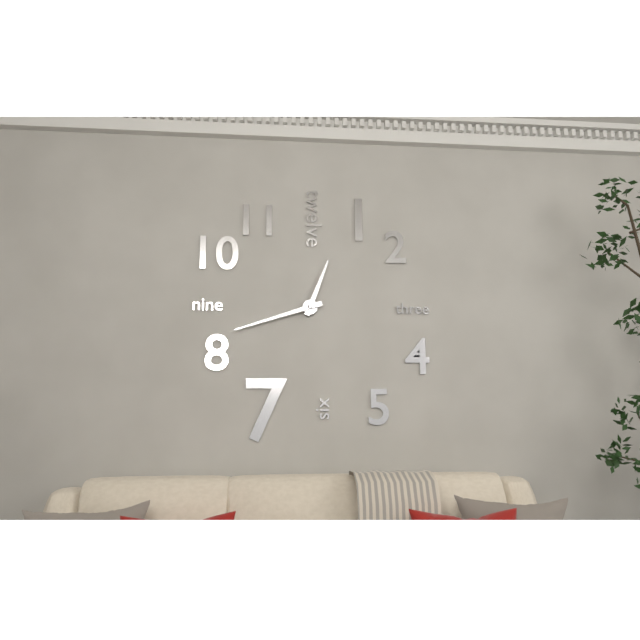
**12:42**
